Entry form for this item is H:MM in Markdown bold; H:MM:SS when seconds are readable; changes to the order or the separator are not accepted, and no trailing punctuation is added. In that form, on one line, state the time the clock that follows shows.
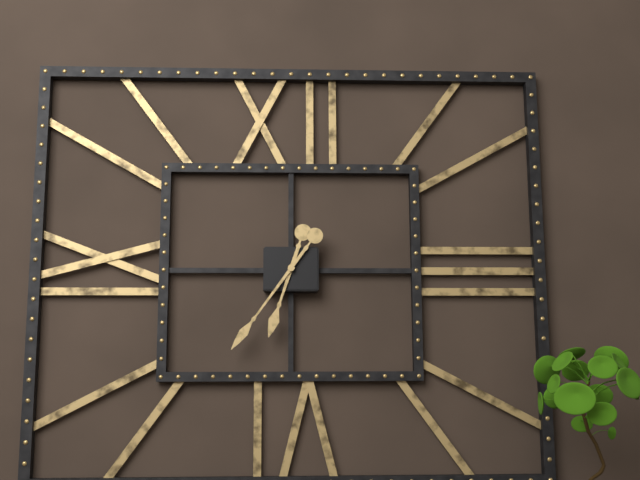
**6:36**
